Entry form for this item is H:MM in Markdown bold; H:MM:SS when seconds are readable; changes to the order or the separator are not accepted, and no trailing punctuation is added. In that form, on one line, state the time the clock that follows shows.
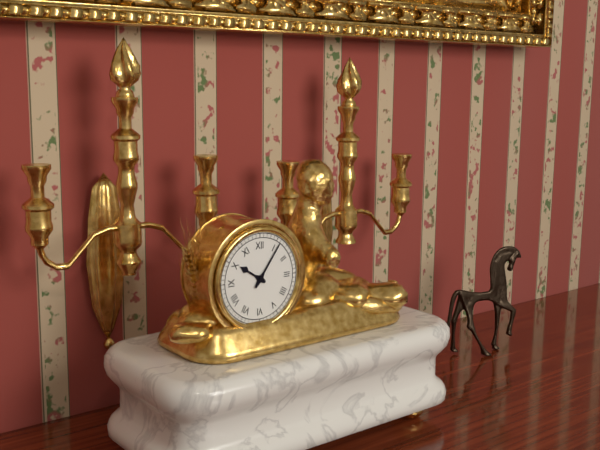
**10:06**
